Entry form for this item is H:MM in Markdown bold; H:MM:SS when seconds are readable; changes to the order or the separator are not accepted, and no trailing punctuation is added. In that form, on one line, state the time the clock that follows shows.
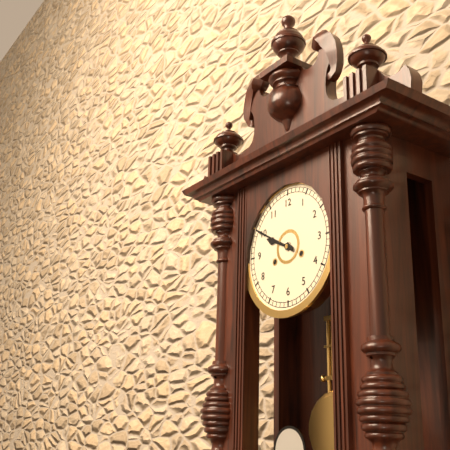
**9:50**
